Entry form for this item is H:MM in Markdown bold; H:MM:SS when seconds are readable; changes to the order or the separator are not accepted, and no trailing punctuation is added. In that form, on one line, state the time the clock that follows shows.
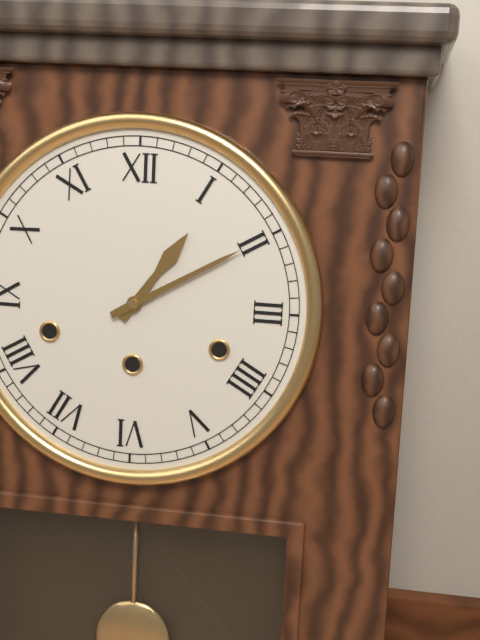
**1:10**
